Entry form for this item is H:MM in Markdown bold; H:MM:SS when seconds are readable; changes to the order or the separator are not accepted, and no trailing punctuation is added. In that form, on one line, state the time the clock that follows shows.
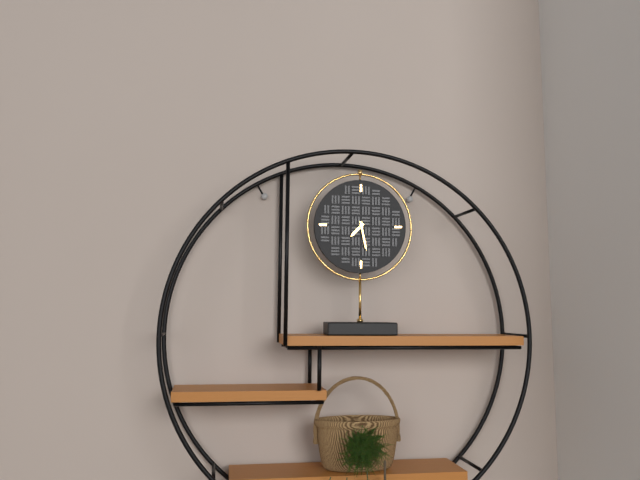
**7:28**
